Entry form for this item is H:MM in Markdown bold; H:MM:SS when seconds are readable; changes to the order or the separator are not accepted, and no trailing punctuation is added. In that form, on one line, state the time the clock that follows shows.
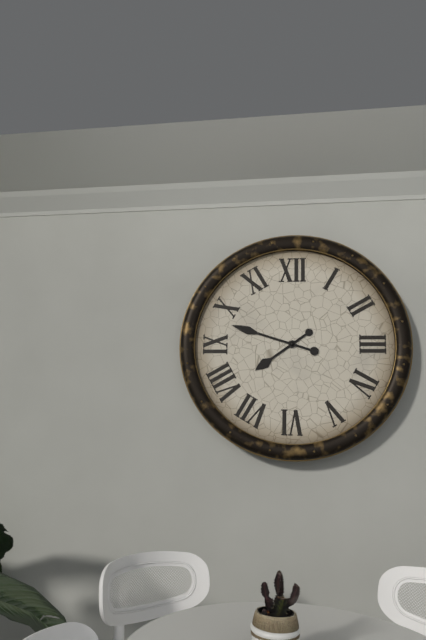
**7:48**
